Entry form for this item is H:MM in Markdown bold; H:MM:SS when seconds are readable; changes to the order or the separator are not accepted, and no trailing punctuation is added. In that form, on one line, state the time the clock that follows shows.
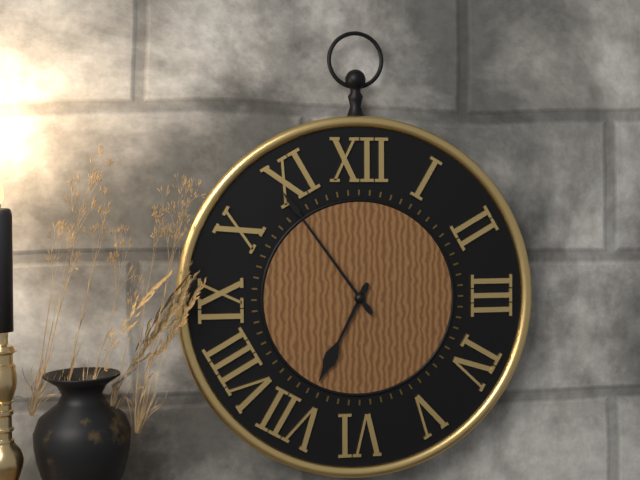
**6:54**
